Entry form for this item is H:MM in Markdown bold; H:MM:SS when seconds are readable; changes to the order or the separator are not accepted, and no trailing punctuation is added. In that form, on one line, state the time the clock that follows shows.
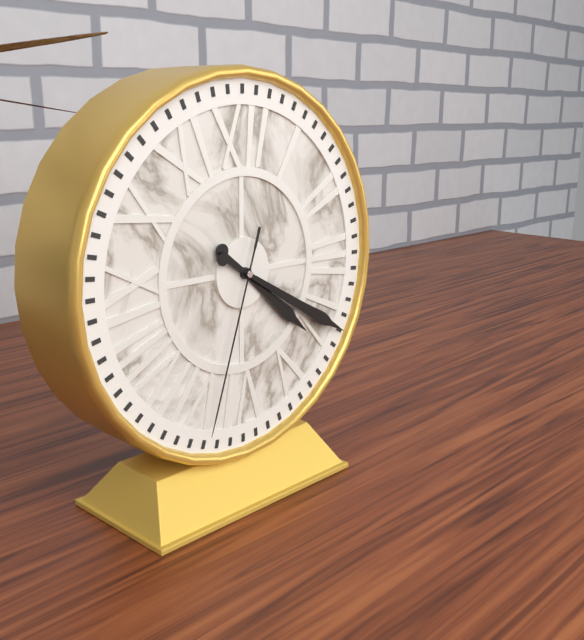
**4:20:33**
